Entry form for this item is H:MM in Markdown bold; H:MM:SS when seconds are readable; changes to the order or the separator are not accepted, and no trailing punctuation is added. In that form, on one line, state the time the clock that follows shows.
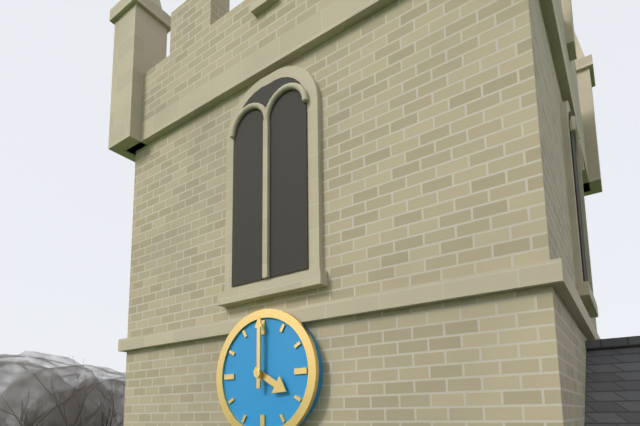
**4:00**
